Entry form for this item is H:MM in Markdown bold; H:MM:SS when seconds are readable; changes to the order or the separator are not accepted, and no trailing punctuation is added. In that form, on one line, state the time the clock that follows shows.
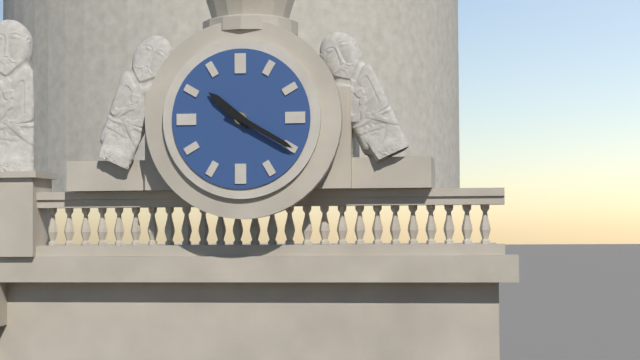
**10:20**
